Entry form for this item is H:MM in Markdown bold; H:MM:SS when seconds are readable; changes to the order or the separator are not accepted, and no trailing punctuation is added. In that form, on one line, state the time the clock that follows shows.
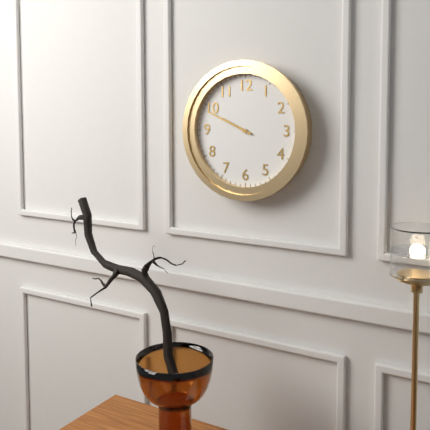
**9:49**
